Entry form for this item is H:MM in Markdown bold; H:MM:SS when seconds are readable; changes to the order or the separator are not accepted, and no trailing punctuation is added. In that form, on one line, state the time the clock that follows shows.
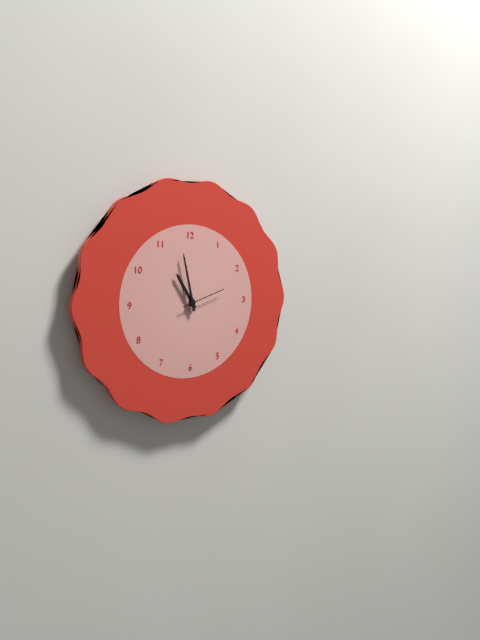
**10:58**
